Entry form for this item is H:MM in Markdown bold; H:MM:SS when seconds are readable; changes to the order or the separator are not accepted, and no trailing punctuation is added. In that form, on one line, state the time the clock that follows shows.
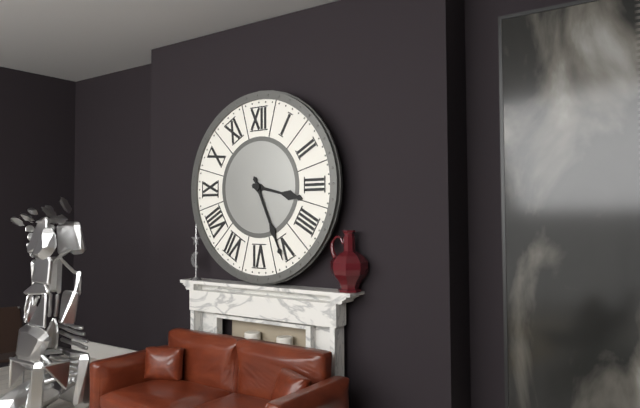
**3:26**
